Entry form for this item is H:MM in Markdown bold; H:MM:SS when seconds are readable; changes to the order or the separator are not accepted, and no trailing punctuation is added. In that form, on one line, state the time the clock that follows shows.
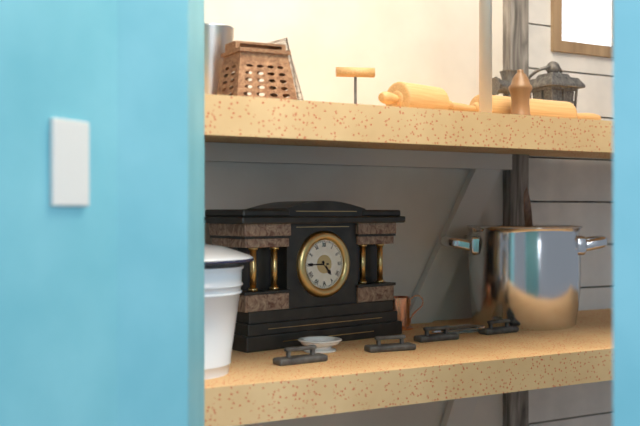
**4:45**
